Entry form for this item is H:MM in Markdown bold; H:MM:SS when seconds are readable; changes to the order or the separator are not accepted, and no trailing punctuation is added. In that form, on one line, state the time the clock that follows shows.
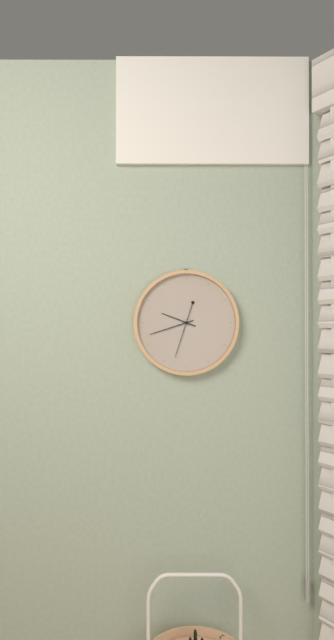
**9:42**
